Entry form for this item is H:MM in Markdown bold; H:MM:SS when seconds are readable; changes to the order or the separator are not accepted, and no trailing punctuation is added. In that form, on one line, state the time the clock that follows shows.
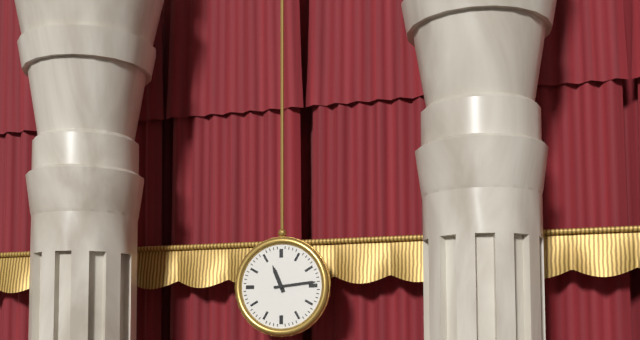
**11:14**
